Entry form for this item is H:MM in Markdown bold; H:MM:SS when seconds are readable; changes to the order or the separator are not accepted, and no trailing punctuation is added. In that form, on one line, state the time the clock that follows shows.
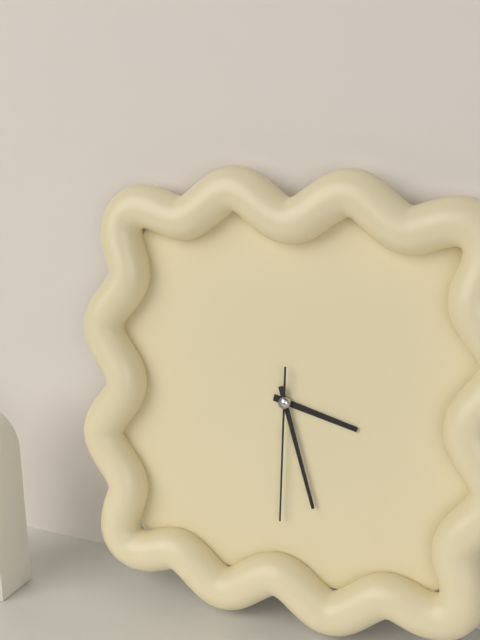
**3:27:30**
